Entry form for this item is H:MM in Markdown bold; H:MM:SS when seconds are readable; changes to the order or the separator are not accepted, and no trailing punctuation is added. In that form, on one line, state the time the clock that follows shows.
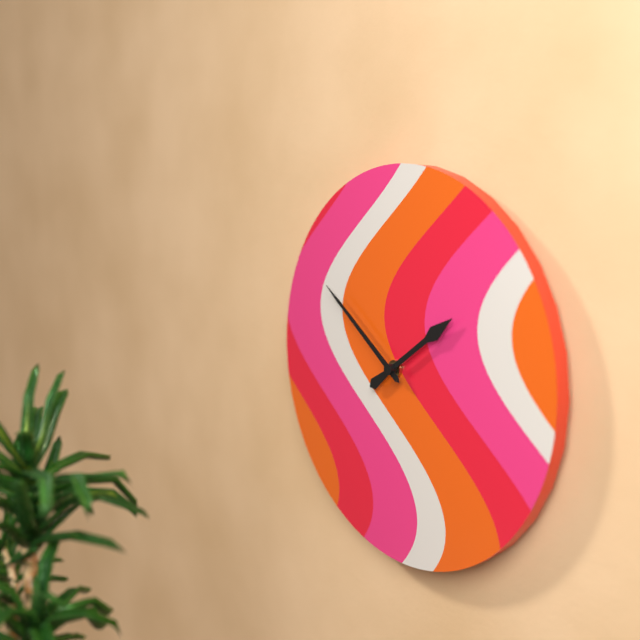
**1:51**
